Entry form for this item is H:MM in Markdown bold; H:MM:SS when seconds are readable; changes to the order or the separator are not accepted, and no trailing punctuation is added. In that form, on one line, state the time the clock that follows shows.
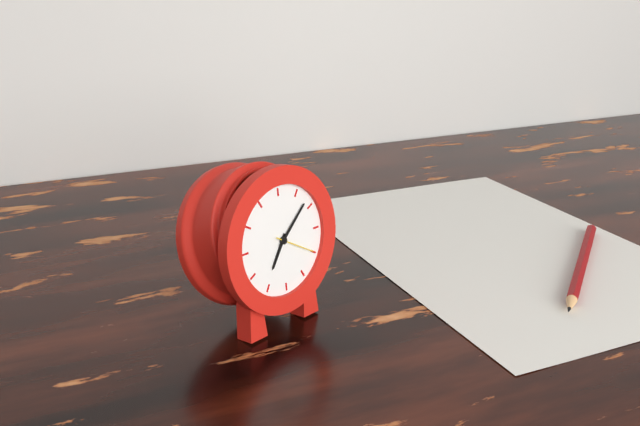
**7:08**
